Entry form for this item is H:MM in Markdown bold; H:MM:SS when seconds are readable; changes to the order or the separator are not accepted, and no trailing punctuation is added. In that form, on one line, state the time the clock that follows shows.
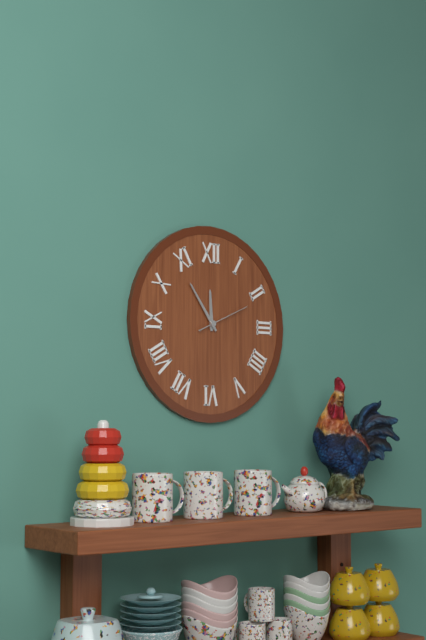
**11:54**
